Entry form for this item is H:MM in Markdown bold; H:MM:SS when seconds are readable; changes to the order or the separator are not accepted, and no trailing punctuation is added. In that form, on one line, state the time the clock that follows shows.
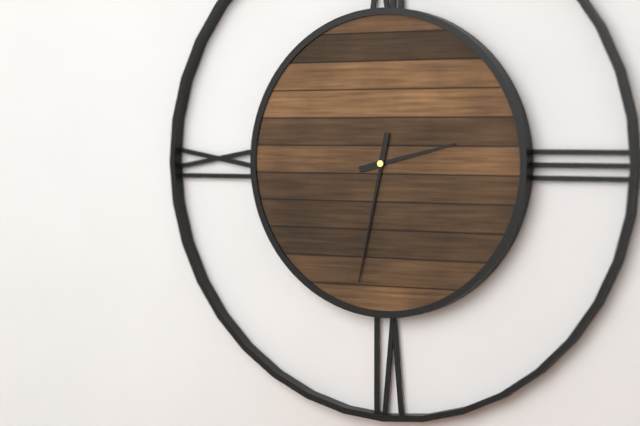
**2:32**
